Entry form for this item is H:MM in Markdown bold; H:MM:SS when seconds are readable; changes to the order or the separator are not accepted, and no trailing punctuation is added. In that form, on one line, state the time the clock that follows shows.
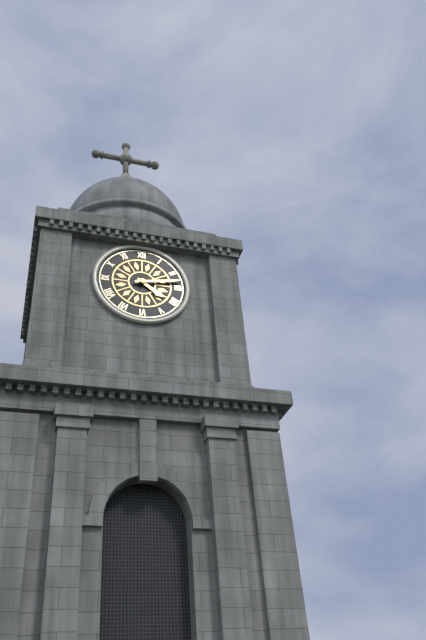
**4:13**
